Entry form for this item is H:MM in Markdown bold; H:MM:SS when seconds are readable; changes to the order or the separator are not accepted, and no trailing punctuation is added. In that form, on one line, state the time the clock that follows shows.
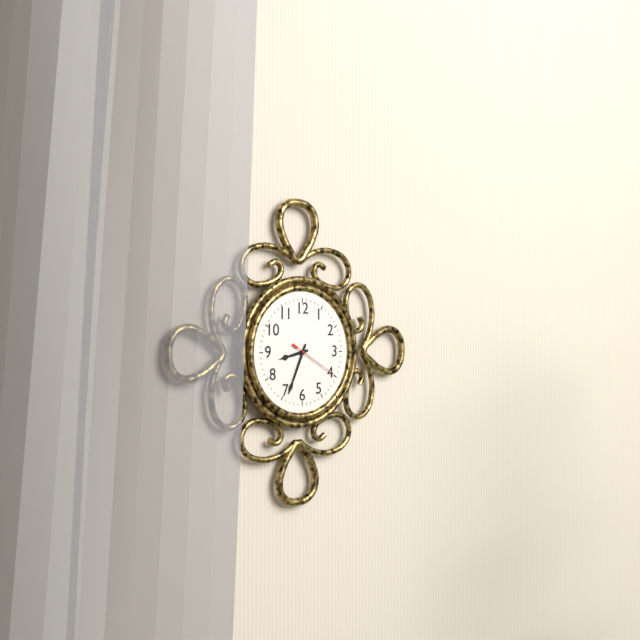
**8:34**
